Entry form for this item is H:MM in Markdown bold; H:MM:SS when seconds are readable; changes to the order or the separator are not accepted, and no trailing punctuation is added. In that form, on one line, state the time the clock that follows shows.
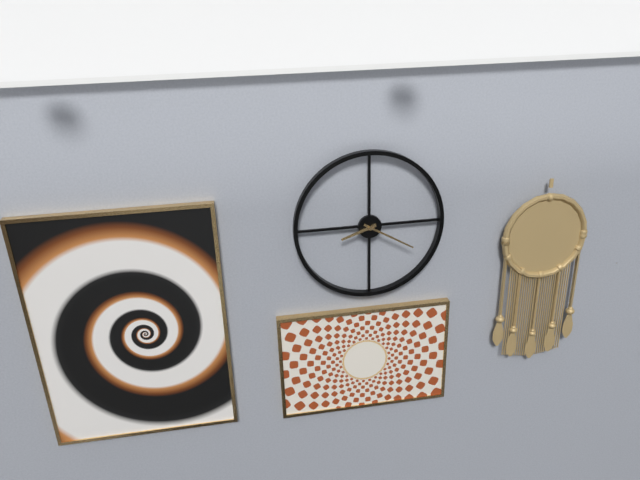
**8:20**
